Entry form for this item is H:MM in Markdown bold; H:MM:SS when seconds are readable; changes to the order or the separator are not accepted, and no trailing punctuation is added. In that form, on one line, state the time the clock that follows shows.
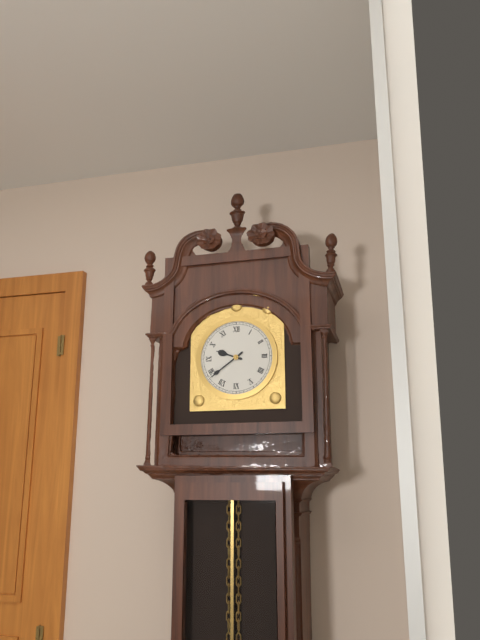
**9:39**
